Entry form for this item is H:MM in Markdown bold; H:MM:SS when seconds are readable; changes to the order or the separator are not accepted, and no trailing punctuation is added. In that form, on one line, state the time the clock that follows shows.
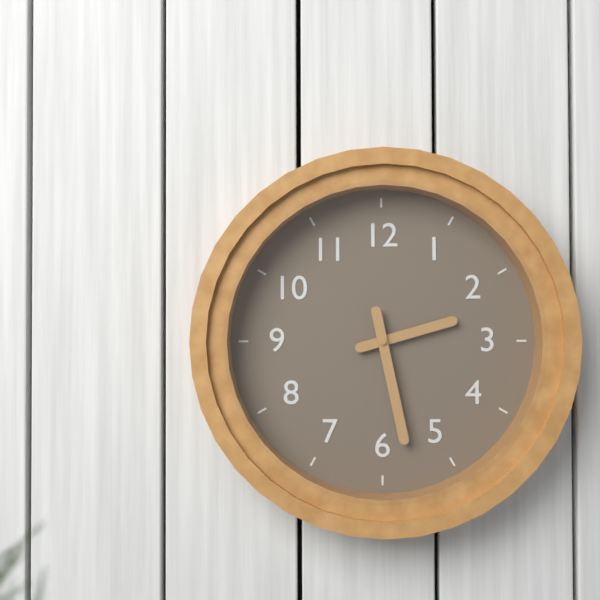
**2:28**
